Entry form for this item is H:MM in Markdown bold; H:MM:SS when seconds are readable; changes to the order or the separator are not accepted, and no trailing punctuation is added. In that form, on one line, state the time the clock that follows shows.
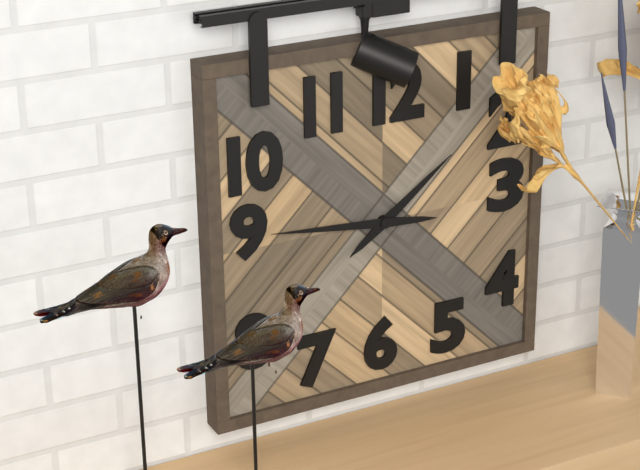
**1:46**
